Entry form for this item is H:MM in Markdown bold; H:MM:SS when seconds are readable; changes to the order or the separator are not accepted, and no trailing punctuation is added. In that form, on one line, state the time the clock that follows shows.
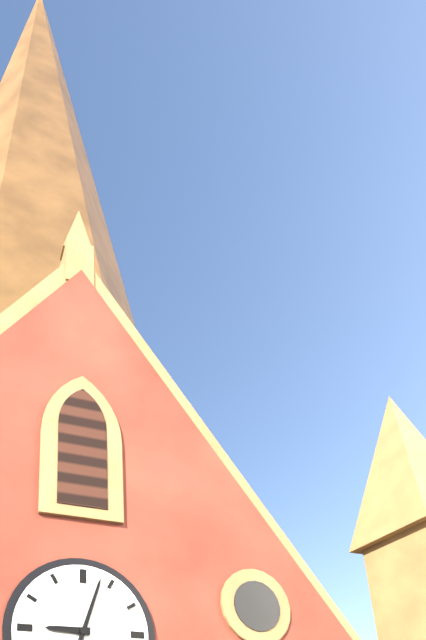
**9:03**
